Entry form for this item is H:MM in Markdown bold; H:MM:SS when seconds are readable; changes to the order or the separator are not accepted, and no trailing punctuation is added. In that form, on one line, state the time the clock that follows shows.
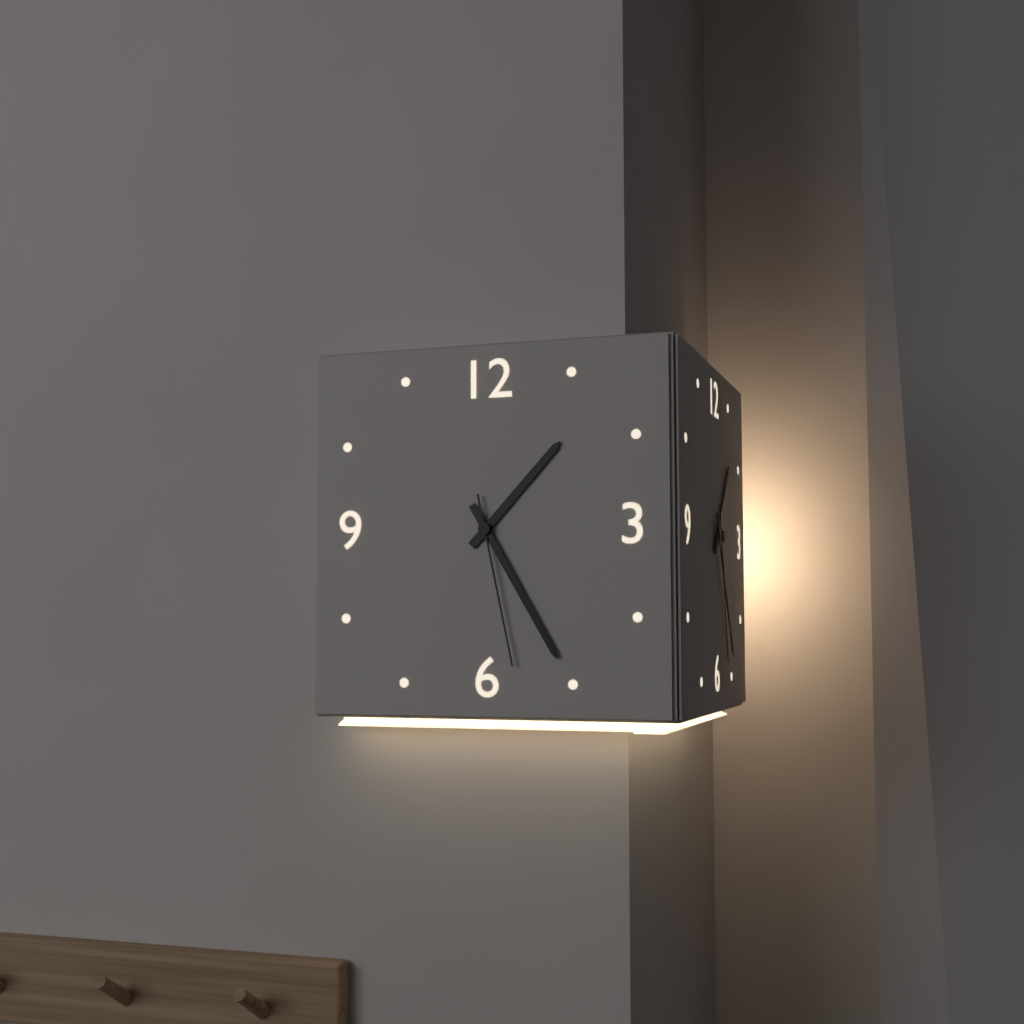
**1:25:28**
